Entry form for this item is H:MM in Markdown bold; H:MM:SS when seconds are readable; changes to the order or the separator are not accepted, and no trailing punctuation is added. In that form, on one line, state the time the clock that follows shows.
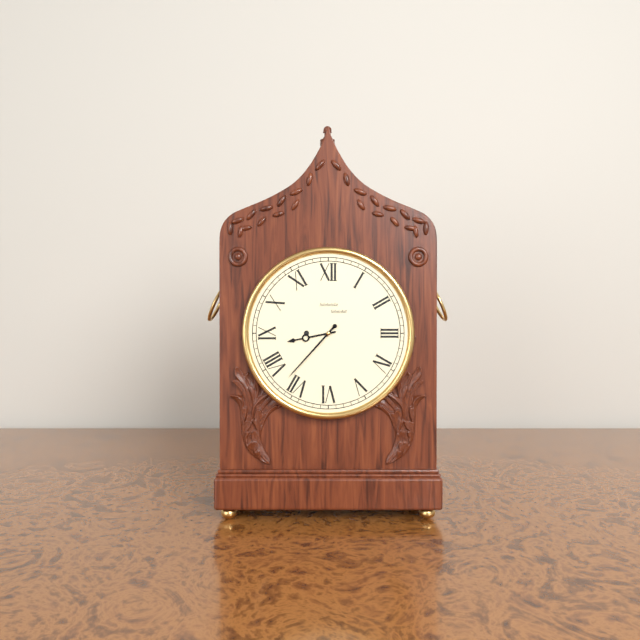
**8:37**
